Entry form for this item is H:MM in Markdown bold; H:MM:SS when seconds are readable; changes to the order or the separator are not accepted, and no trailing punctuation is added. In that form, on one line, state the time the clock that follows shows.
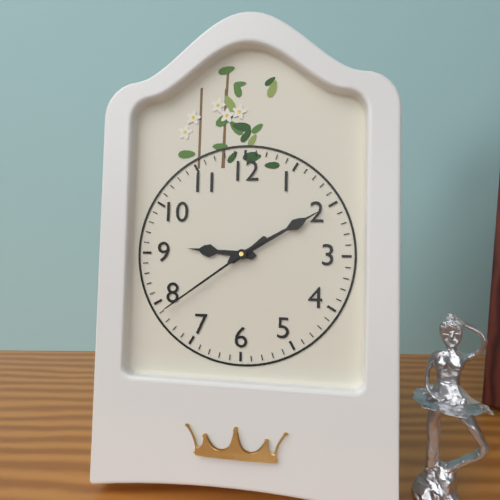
**9:10:39**
